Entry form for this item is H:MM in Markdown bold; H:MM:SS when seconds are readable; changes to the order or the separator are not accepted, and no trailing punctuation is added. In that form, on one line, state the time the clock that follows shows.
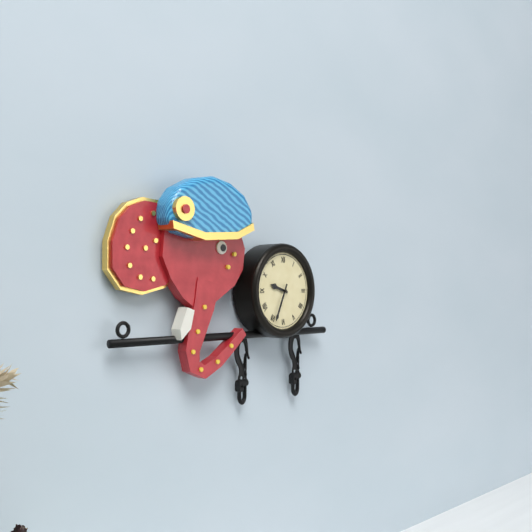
**9:34**
